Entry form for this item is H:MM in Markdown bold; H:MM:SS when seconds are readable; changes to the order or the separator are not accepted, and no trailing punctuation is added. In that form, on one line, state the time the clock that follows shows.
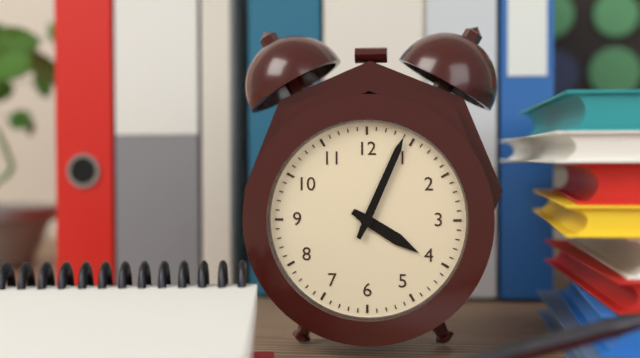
**4:04**
